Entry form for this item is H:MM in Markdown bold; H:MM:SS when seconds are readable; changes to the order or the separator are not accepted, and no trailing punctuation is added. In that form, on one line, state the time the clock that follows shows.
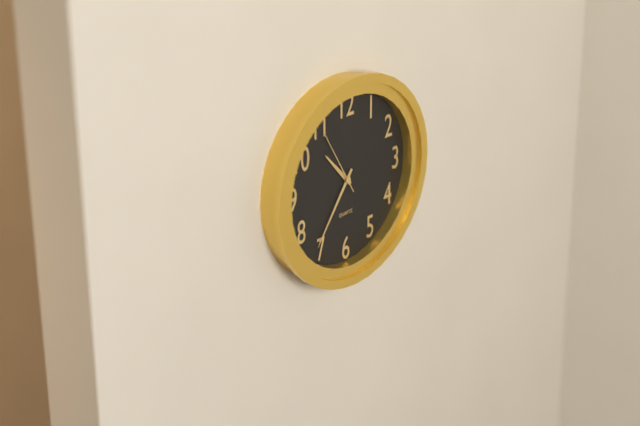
**10:36:55**
